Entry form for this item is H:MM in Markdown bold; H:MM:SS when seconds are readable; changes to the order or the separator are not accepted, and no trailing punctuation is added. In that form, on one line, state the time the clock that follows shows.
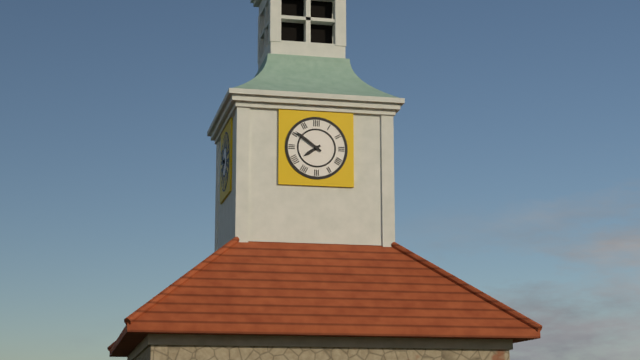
**7:51**
